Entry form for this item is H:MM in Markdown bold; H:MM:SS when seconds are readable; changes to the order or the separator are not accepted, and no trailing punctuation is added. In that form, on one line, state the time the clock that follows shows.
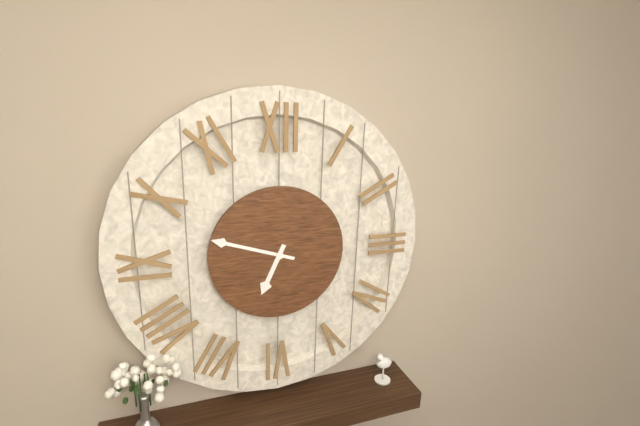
**6:48**
